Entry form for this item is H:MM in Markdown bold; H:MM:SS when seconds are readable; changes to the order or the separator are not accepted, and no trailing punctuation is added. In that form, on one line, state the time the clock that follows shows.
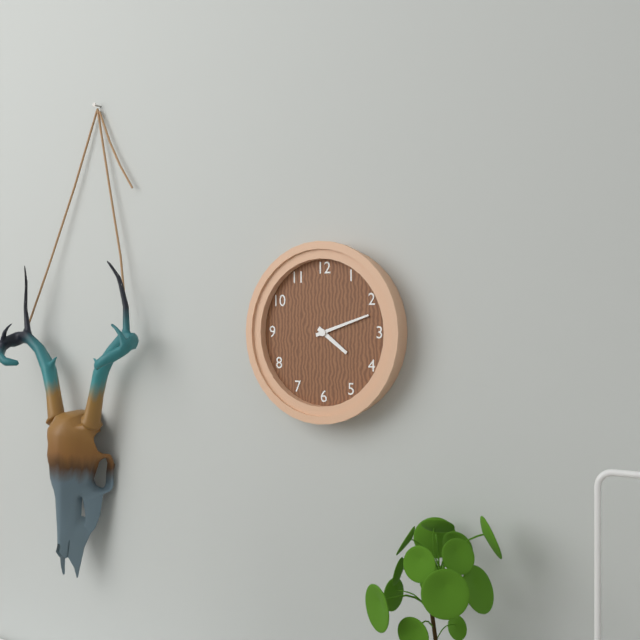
**4:12**
